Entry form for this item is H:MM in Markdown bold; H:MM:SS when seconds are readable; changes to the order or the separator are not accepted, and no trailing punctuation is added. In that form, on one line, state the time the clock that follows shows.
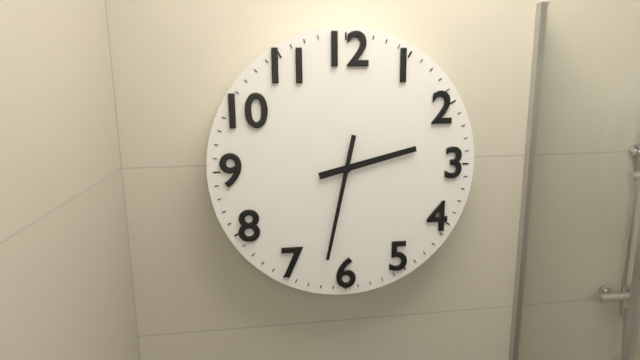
**2:32**
